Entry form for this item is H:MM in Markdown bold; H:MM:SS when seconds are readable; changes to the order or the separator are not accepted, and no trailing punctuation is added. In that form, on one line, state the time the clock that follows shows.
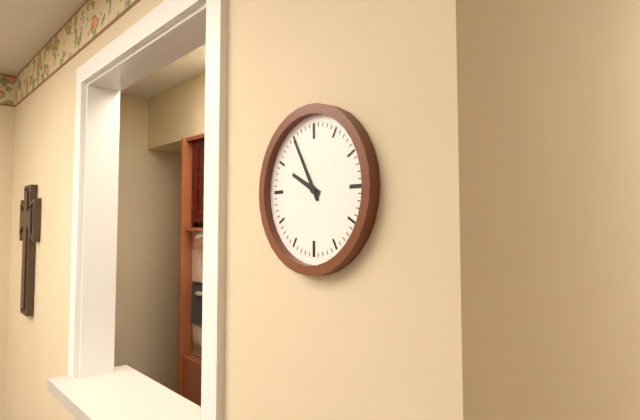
**9:55**
